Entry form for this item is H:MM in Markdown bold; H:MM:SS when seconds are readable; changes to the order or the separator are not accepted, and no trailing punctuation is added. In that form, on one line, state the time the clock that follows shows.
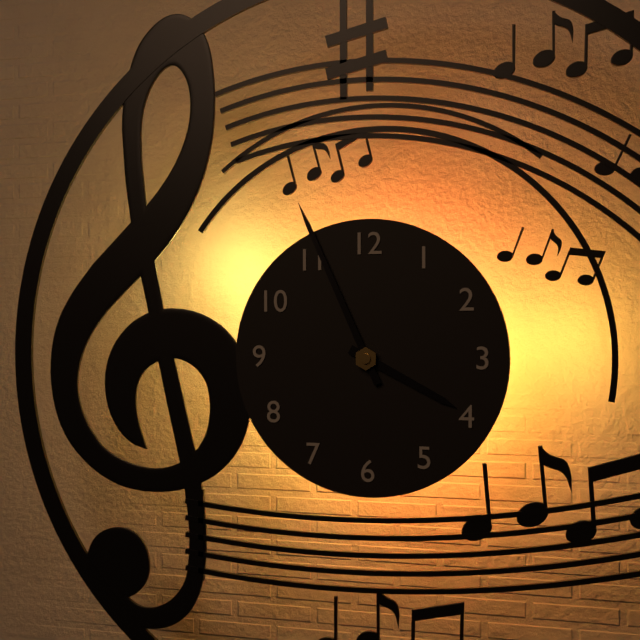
**3:56**
